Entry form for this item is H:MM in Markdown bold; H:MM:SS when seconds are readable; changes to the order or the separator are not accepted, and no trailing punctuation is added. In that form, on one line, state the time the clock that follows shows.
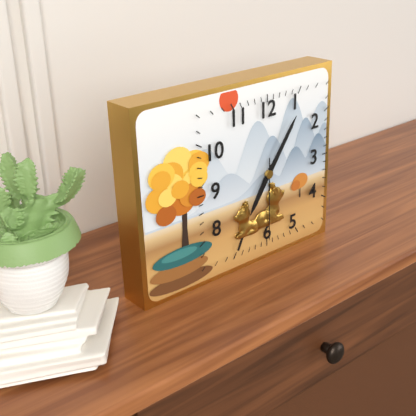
**7:06:30**
